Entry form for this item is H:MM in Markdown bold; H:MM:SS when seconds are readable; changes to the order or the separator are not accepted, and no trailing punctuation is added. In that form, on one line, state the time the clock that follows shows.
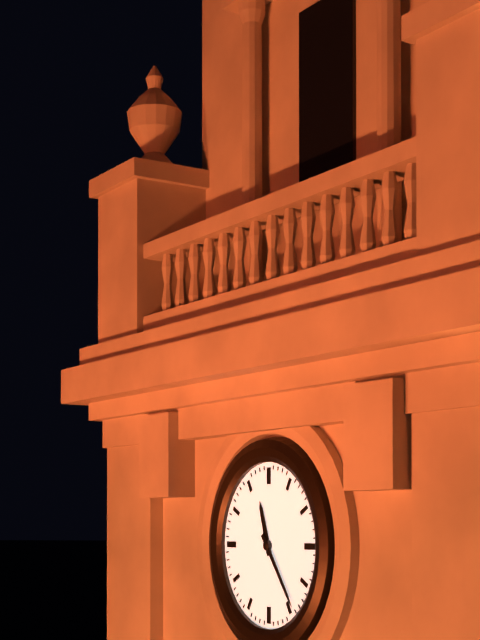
**11:24**
